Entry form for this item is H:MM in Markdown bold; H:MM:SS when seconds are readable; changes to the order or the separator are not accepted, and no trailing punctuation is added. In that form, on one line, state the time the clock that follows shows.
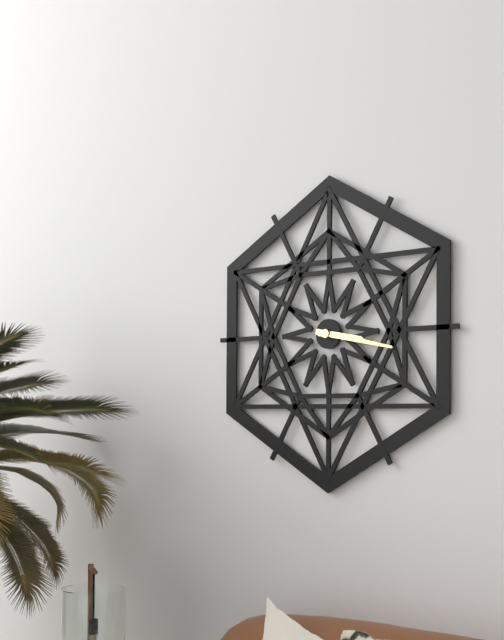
**3:17**
